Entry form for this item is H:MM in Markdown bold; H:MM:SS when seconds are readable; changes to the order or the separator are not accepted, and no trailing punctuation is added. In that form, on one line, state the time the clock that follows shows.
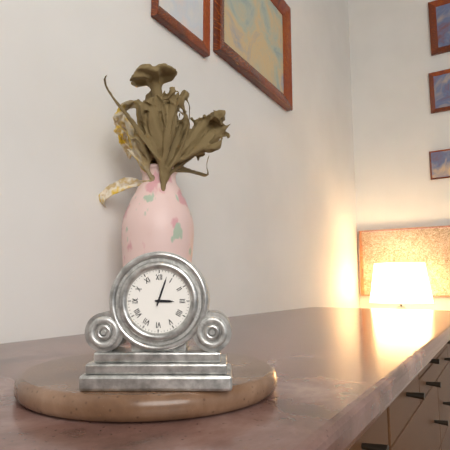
**3:03**
